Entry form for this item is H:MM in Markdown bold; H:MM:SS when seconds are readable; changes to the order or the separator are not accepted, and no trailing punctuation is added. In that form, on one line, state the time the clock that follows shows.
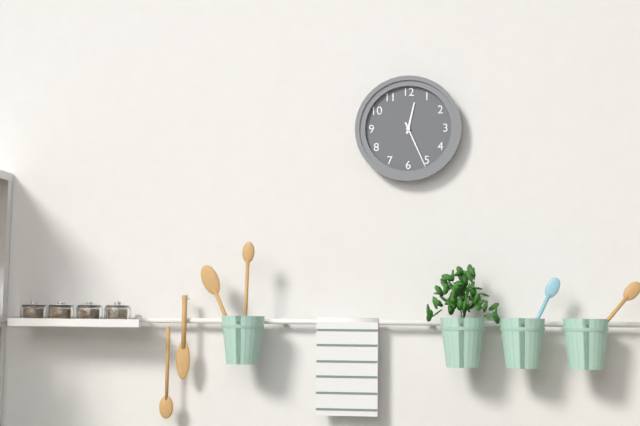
**12:26**
